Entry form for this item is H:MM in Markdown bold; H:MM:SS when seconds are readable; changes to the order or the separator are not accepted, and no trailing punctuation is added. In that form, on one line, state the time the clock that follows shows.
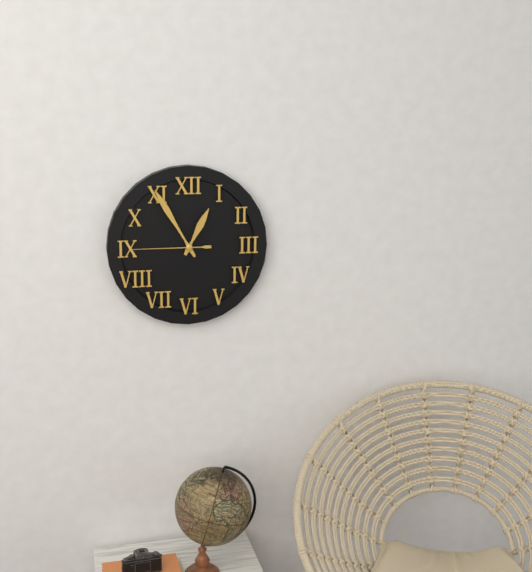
**12:55:45**
